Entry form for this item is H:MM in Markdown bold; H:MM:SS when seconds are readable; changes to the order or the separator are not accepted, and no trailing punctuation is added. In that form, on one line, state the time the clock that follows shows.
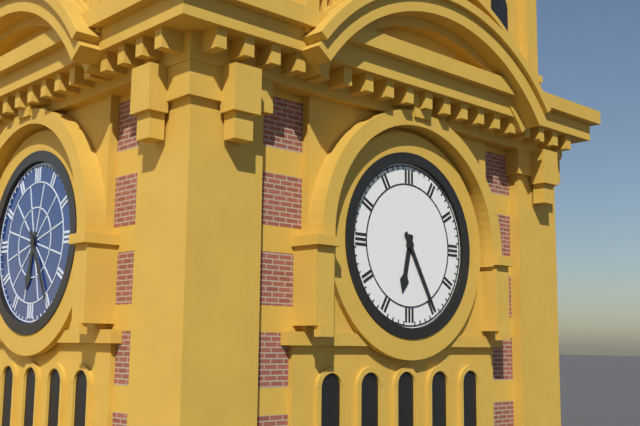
**6:25**
